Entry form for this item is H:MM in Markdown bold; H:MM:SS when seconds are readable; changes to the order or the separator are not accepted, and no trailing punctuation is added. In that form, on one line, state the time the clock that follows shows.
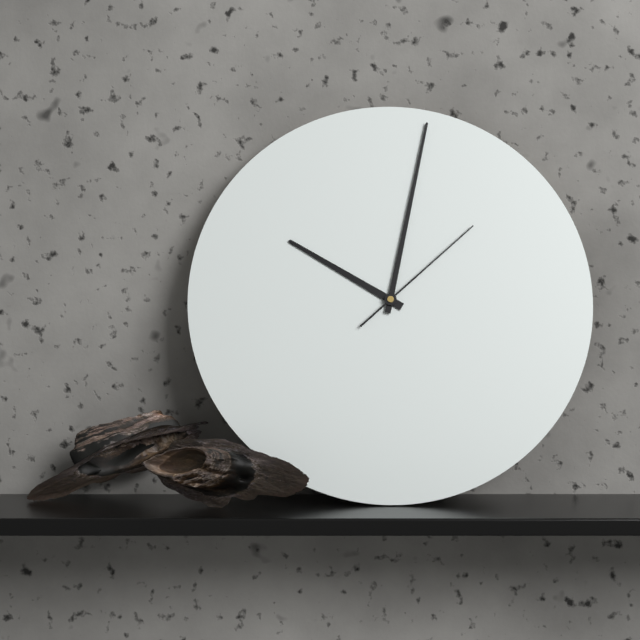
**10:02:08**
